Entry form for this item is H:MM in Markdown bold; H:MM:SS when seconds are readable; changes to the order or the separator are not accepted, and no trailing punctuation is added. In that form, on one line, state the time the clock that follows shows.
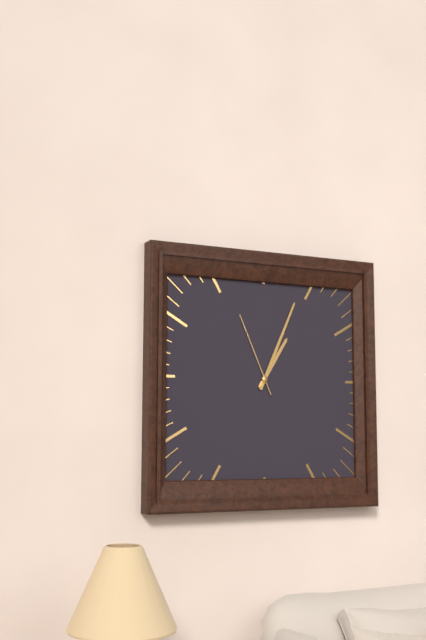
**1:04:56**
